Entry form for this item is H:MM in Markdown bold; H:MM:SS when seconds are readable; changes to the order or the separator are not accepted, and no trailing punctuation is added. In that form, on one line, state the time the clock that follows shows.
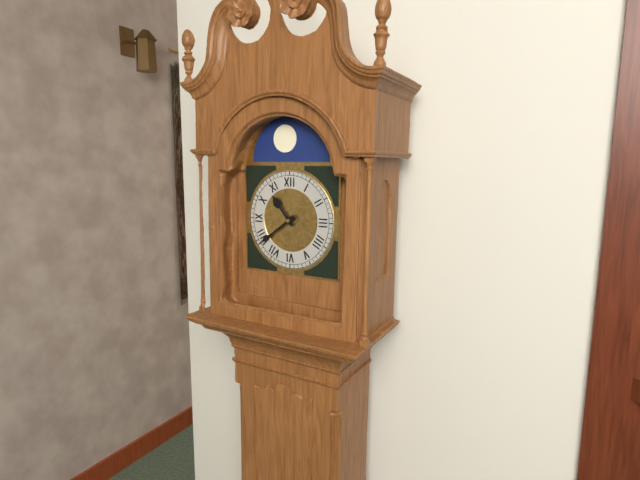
**10:39**
